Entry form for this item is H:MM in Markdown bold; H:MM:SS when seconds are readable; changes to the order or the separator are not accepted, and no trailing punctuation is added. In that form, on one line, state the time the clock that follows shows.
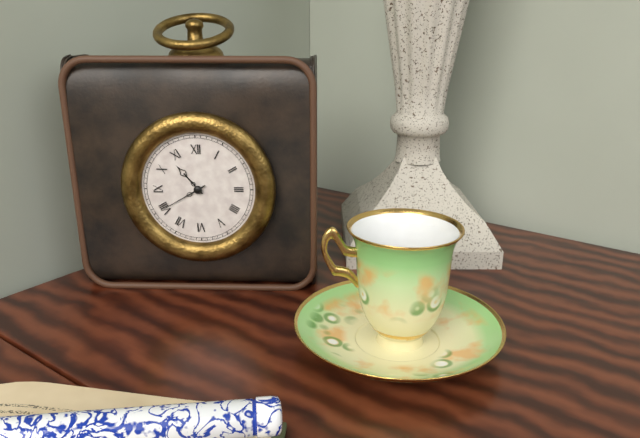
**10:40**
